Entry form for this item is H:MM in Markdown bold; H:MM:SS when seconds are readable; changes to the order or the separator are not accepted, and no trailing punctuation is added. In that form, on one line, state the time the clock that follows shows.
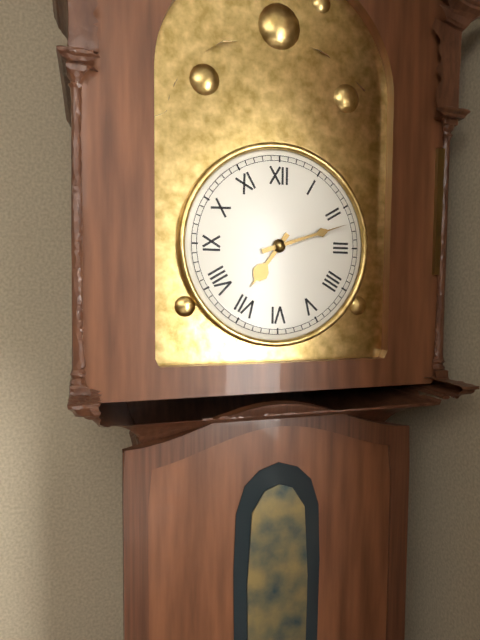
**7:12**
